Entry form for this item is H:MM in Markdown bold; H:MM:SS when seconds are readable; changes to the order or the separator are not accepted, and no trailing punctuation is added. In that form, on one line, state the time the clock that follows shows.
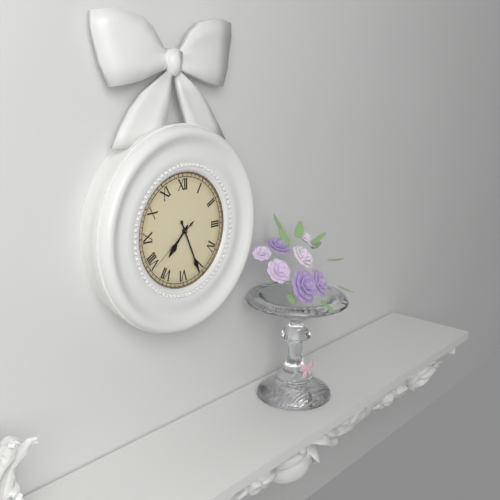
**7:26:39**
